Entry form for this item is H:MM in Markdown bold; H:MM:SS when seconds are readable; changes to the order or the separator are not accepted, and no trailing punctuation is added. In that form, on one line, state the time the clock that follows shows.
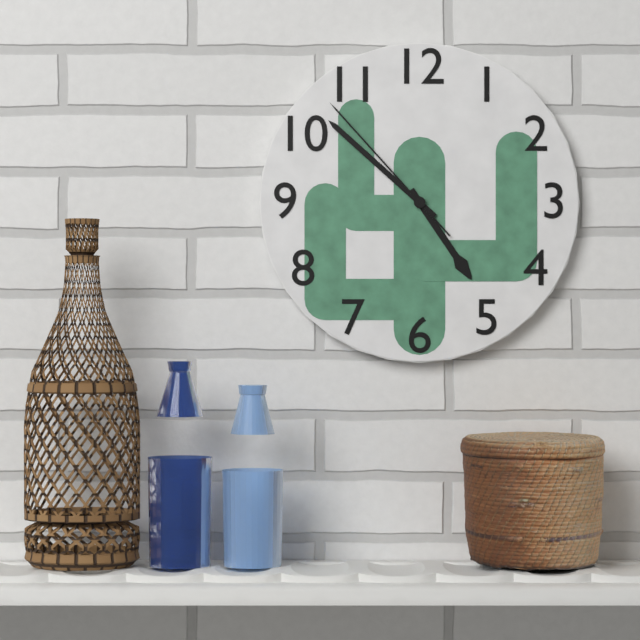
**4:52:53**
